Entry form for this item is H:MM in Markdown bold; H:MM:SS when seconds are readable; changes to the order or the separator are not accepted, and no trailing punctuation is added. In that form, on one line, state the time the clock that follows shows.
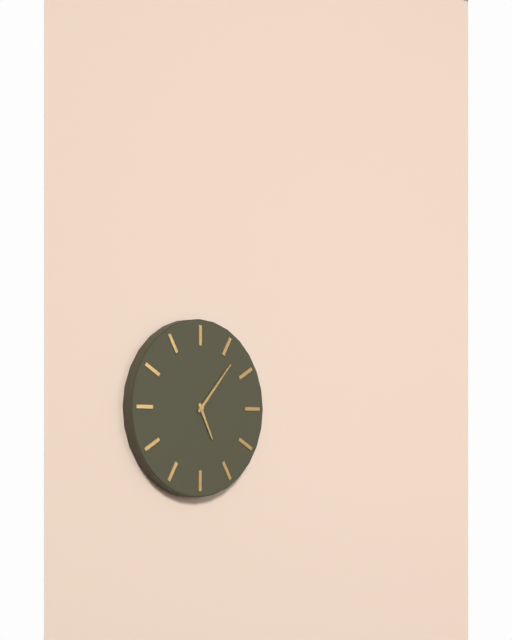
**5:07**
